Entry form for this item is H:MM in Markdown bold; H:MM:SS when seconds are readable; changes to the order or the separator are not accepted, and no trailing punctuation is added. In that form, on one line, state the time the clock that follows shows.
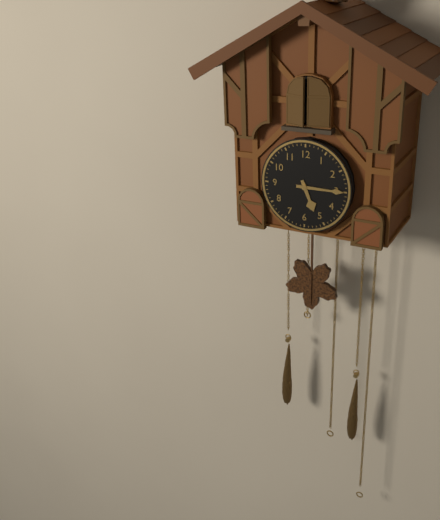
**5:15**
